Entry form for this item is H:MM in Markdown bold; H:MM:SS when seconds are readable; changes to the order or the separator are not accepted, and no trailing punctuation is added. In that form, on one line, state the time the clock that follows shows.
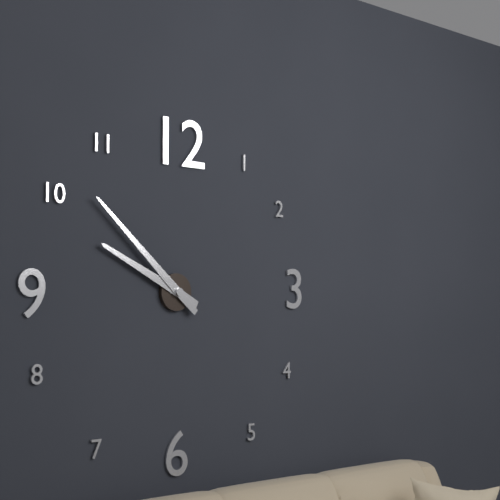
**9:52**
